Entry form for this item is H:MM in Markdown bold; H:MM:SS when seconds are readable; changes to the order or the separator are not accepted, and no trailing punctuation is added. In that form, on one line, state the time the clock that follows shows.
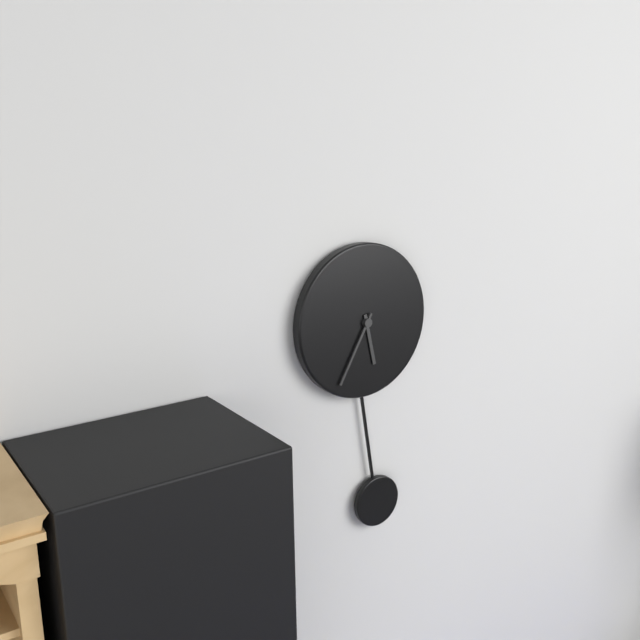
**5:35**
